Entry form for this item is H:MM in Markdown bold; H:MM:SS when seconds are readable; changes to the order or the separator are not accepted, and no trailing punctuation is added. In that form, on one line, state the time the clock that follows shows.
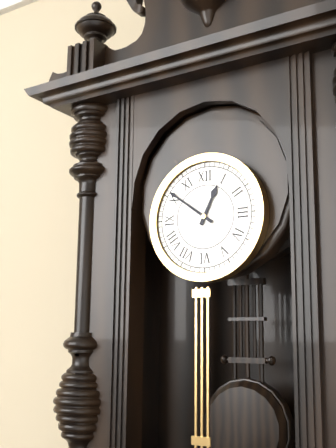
**12:51**
